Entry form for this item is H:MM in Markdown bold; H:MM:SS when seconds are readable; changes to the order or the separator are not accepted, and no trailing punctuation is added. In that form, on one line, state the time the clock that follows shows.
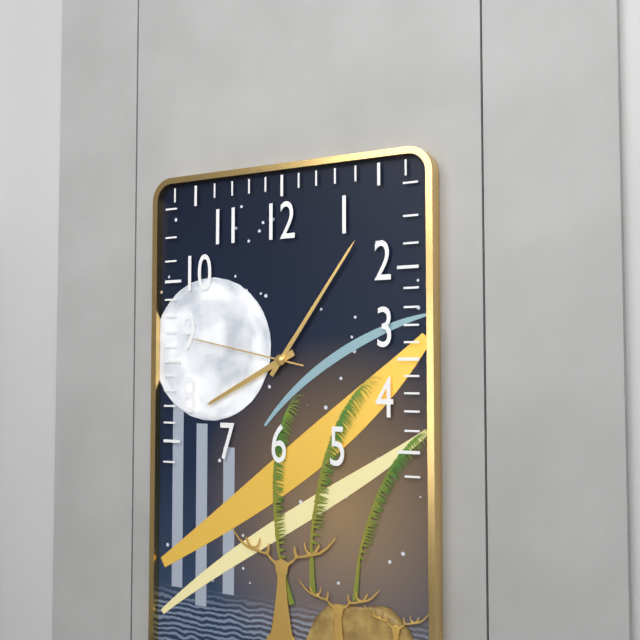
**8:06:47**
